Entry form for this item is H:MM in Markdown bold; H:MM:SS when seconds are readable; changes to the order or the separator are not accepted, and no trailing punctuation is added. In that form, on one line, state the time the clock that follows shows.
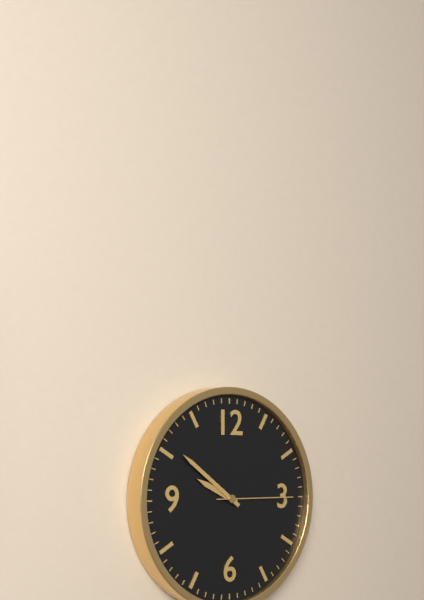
**9:51:15**
